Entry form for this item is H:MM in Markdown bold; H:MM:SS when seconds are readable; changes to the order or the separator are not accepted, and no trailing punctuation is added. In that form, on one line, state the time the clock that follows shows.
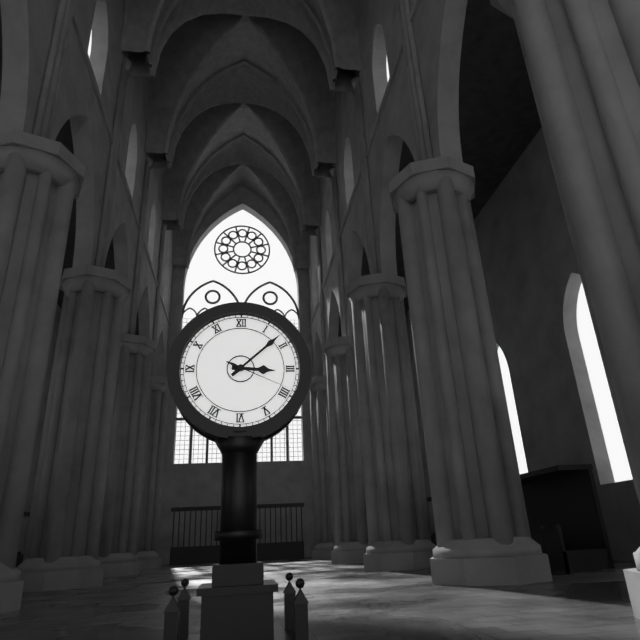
**3:08:19**
